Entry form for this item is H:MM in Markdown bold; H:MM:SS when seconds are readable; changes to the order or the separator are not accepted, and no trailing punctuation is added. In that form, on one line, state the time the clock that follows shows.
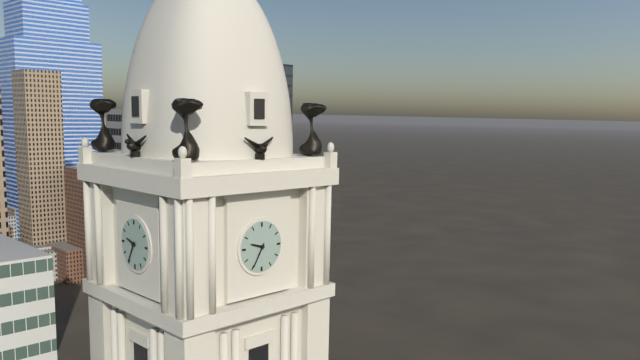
**9:35**
